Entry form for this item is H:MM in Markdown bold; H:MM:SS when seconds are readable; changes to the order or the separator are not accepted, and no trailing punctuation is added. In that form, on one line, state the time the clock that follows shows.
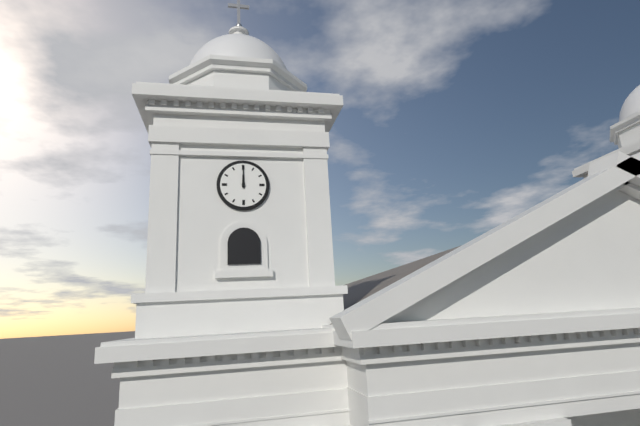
**12:00**
